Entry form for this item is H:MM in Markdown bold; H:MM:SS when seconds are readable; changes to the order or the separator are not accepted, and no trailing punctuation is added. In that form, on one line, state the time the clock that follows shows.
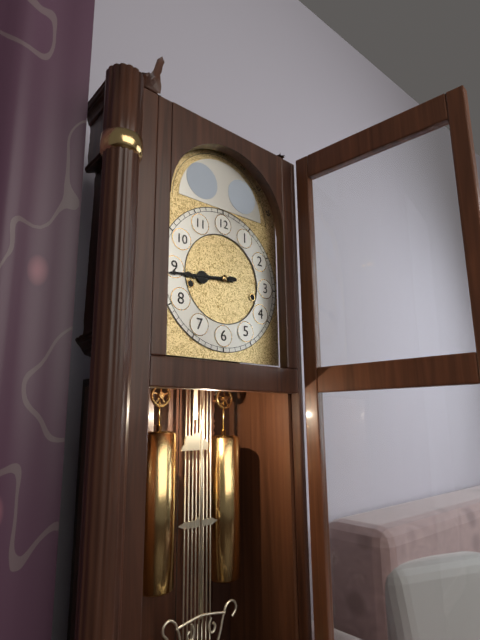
**8:44**
